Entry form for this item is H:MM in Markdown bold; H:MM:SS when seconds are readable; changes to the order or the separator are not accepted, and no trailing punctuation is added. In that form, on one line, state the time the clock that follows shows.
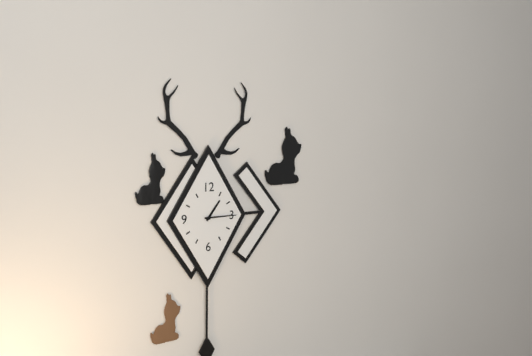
**1:15**
